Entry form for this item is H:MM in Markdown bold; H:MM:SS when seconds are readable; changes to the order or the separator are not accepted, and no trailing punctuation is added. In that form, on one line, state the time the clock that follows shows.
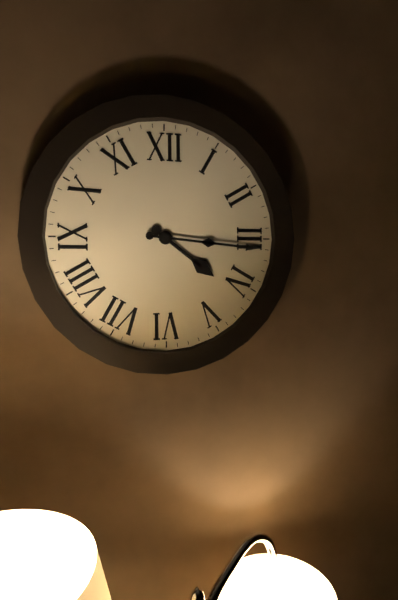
**4:16**
